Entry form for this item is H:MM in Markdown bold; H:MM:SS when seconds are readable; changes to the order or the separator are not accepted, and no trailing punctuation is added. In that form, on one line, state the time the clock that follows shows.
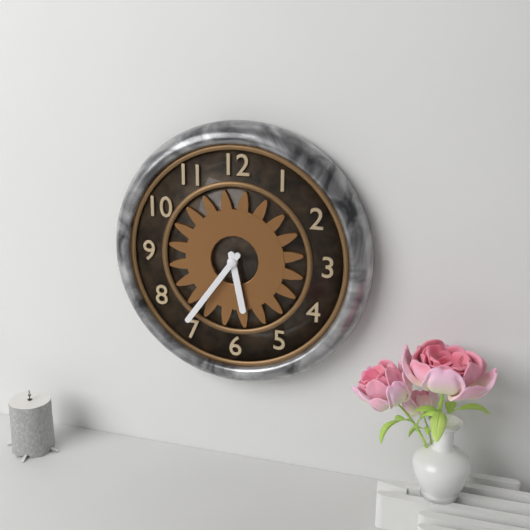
**5:36**
